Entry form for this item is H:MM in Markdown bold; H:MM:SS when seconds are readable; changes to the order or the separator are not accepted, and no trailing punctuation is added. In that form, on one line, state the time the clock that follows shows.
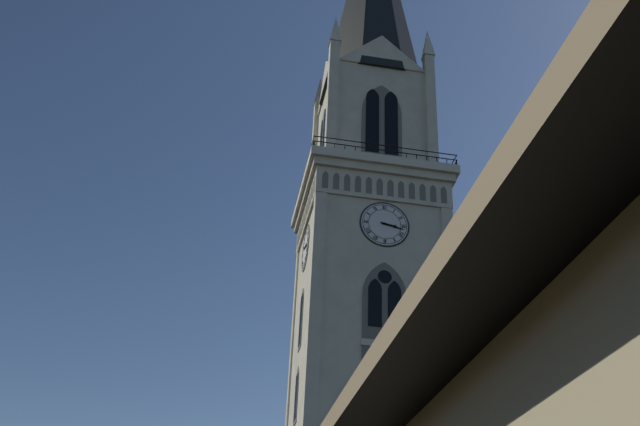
**3:17**
